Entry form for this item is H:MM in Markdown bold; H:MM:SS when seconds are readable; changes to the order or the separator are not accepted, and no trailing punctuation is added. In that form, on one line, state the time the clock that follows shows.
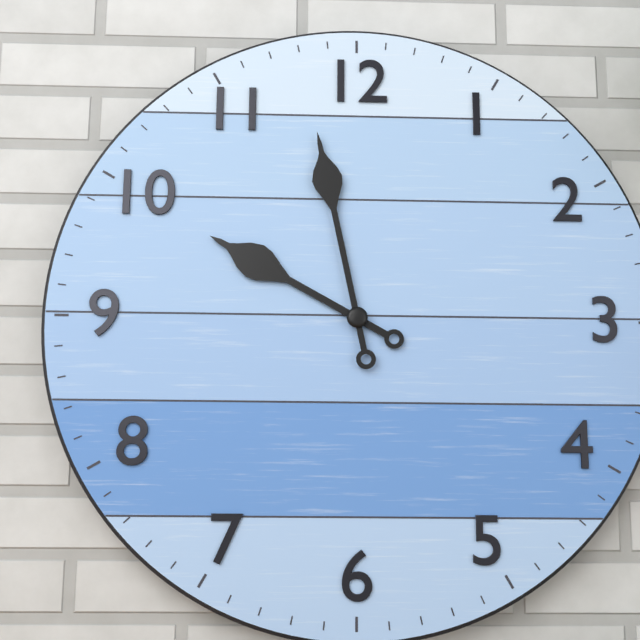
**9:58**
